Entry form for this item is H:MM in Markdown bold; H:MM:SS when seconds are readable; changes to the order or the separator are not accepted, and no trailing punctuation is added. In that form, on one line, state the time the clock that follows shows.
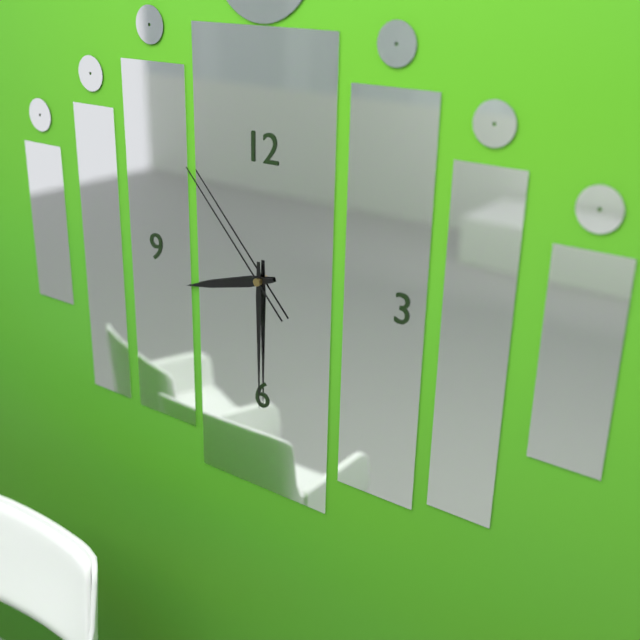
**8:30:53**
